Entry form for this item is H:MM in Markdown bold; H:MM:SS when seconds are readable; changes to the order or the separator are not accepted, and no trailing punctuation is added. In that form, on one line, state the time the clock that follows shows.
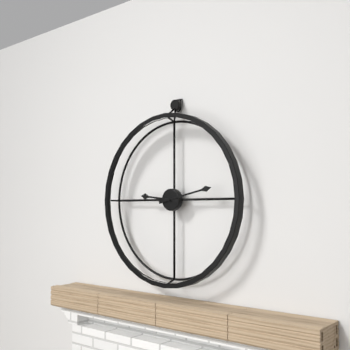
**9:13**
